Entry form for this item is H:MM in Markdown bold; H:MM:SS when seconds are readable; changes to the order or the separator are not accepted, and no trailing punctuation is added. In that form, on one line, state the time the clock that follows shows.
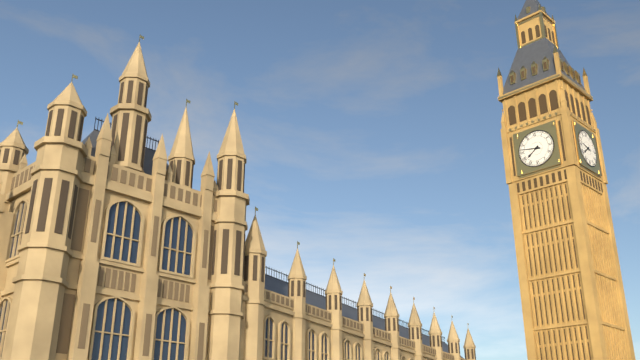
**7:47**
